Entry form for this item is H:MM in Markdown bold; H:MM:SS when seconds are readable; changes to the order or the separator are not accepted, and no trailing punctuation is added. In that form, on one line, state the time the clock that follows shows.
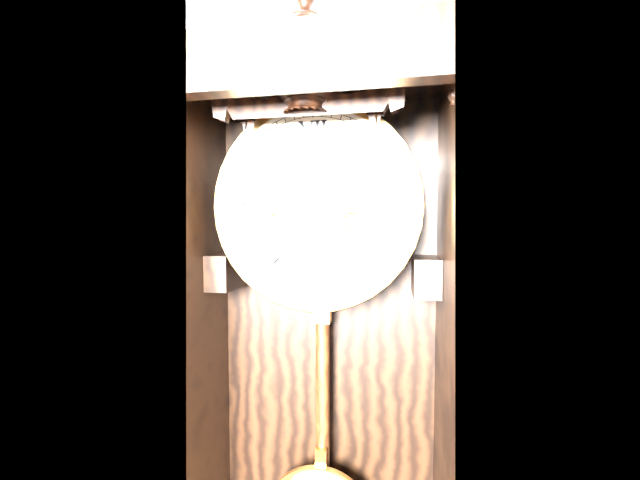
**11:36**
